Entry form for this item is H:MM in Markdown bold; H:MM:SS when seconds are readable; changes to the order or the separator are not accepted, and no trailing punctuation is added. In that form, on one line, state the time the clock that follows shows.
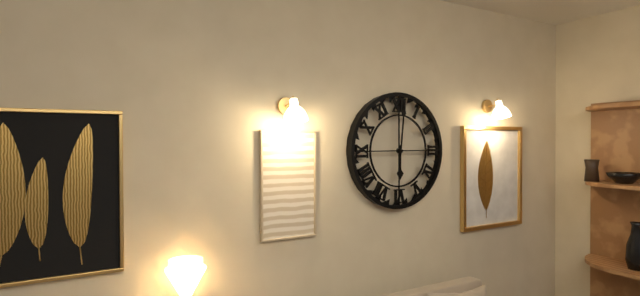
**6:01**
